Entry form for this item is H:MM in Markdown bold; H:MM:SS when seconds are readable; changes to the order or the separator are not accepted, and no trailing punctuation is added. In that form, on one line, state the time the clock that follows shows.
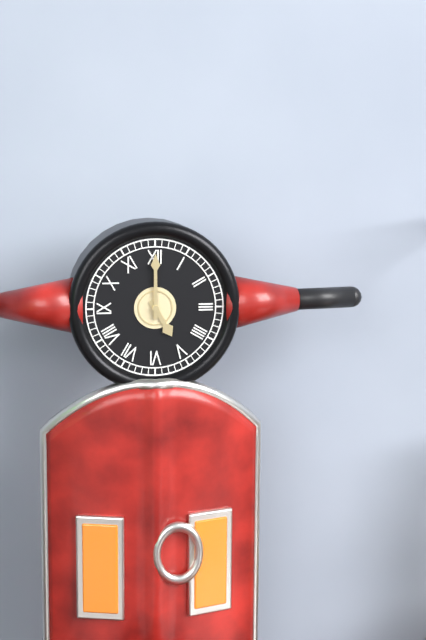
**5:00**
